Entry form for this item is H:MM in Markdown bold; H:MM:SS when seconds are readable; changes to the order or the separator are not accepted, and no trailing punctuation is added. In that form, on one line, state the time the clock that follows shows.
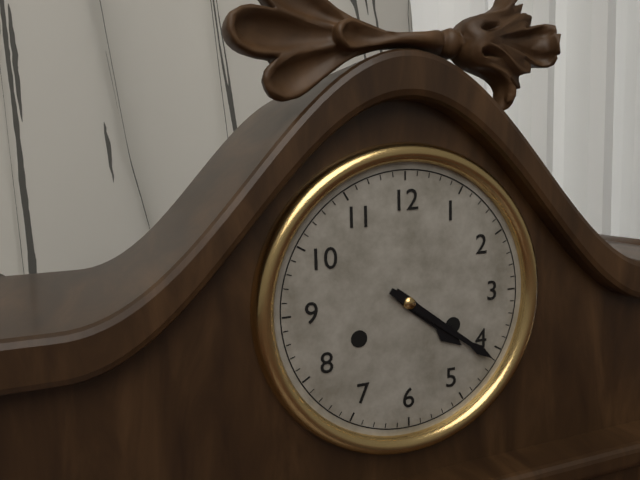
**4:21**
